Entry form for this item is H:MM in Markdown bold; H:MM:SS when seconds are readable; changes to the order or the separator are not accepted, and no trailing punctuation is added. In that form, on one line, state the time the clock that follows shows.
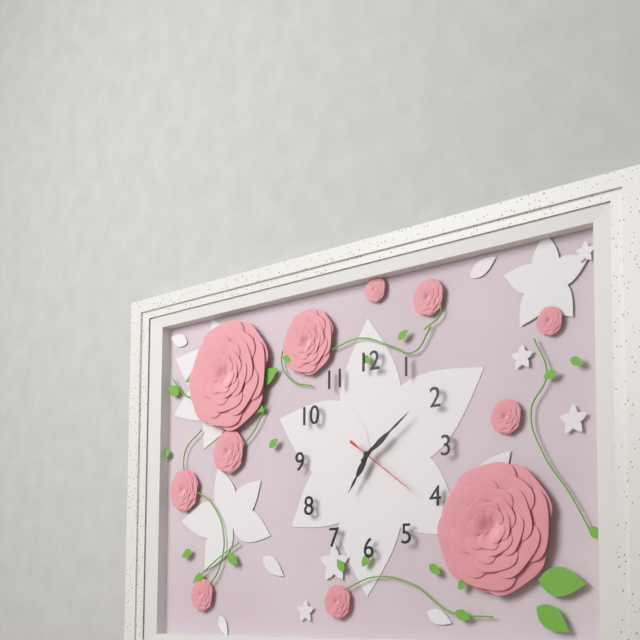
**7:09:21**
